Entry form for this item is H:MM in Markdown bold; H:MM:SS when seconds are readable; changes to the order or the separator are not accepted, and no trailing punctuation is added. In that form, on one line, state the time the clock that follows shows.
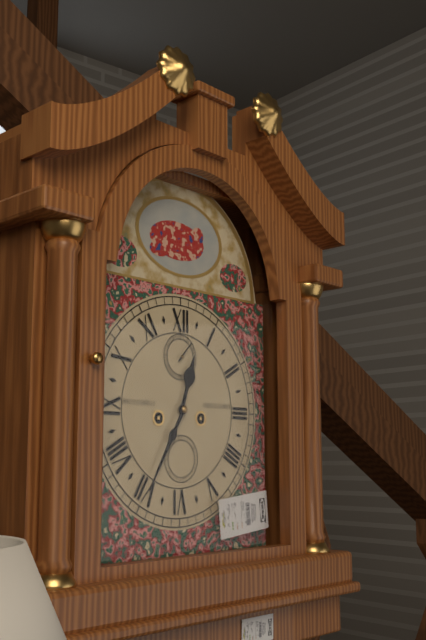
**12:35**
